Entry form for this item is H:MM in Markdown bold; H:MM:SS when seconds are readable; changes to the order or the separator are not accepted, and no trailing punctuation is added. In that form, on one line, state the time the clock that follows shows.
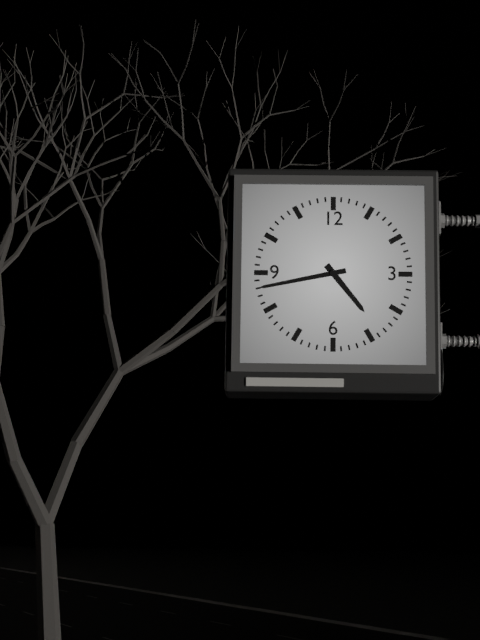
**4:43**
